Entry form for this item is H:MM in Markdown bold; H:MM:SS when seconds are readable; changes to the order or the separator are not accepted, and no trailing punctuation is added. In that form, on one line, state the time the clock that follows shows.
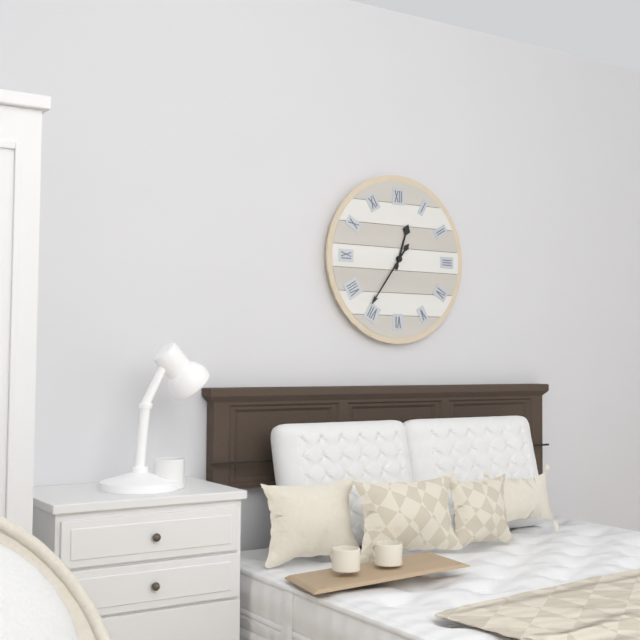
**12:36**
